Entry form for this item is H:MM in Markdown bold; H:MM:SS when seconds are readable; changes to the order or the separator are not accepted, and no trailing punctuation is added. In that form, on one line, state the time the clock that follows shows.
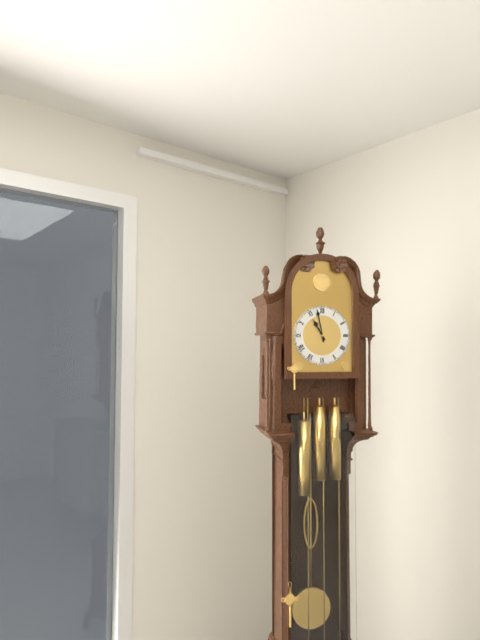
**10:58**
